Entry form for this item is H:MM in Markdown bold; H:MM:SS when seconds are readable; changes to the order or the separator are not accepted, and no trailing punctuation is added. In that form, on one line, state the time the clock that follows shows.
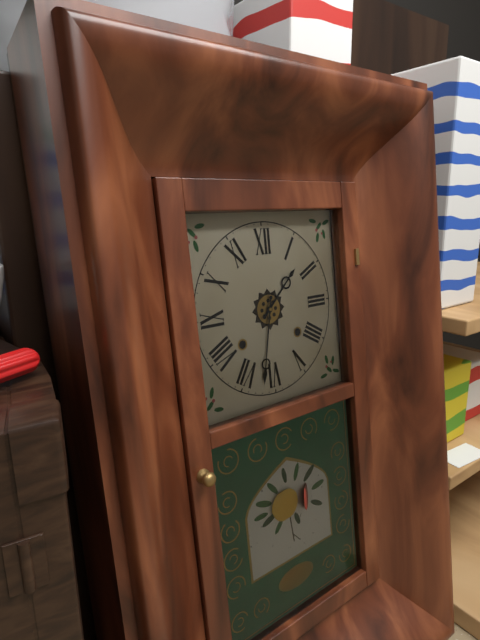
**1:32**
